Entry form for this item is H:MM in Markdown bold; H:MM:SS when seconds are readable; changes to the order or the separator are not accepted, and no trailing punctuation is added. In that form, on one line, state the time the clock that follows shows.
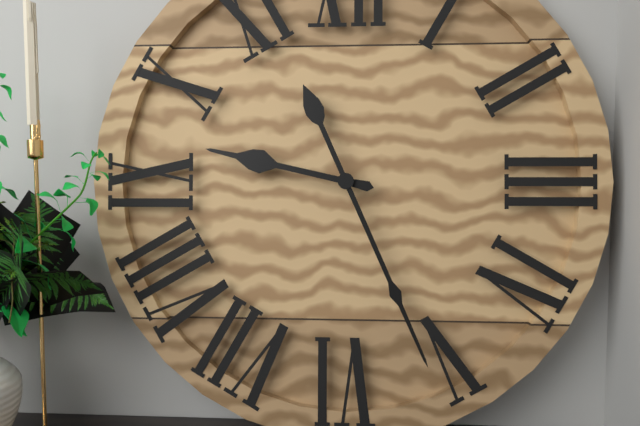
**9:26**
